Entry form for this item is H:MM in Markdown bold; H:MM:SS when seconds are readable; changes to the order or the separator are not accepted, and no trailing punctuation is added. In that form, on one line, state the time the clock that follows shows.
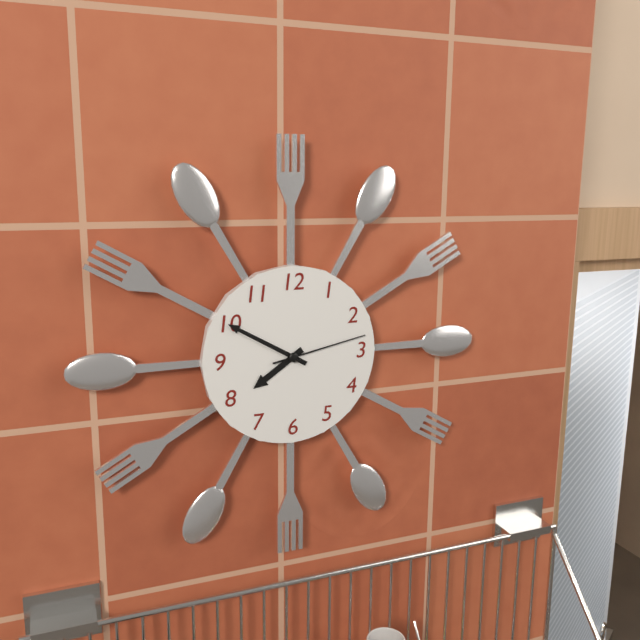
**7:50:13**
